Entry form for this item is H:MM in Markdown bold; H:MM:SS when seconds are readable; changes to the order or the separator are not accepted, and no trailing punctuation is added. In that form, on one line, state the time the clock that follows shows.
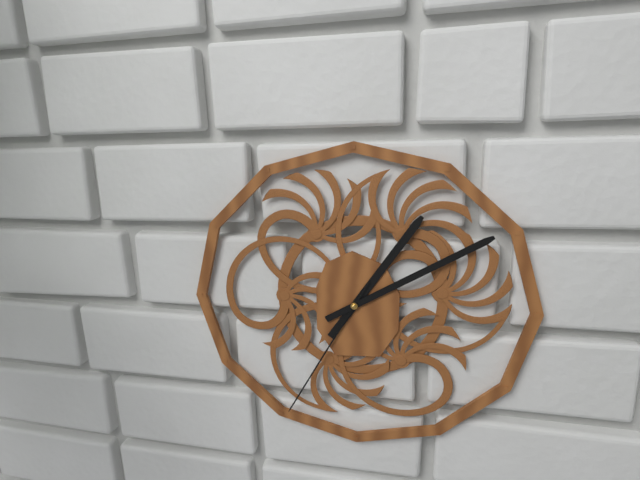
**1:10:35**
